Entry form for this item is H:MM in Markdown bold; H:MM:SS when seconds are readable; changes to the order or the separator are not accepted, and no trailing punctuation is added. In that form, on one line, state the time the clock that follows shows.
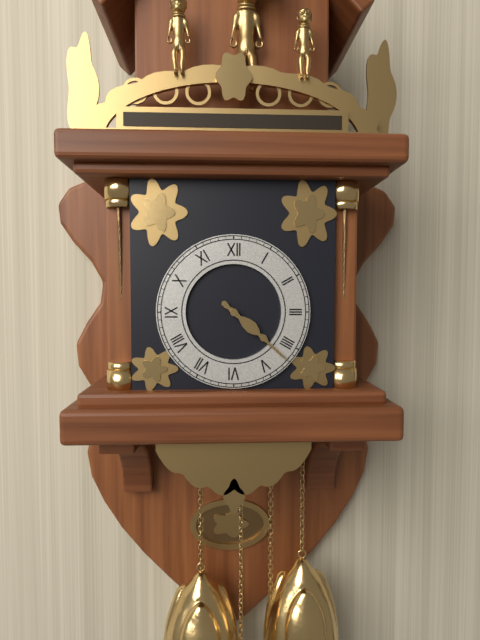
**4:22**
